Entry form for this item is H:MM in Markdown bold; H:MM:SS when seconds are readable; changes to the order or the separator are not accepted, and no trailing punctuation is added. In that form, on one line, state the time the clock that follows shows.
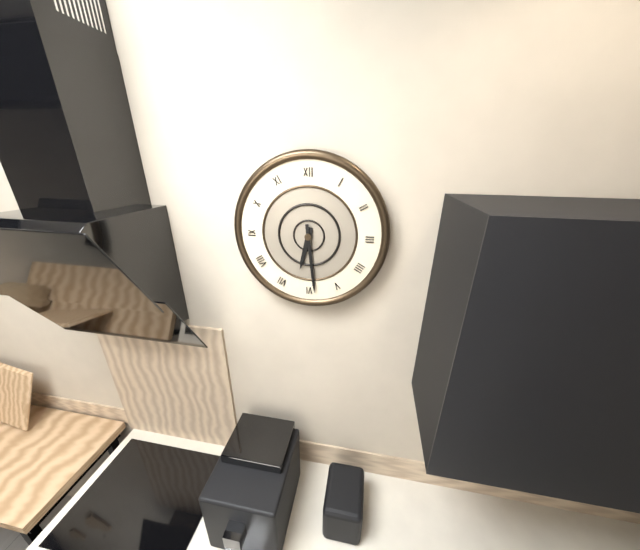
**6:29**
